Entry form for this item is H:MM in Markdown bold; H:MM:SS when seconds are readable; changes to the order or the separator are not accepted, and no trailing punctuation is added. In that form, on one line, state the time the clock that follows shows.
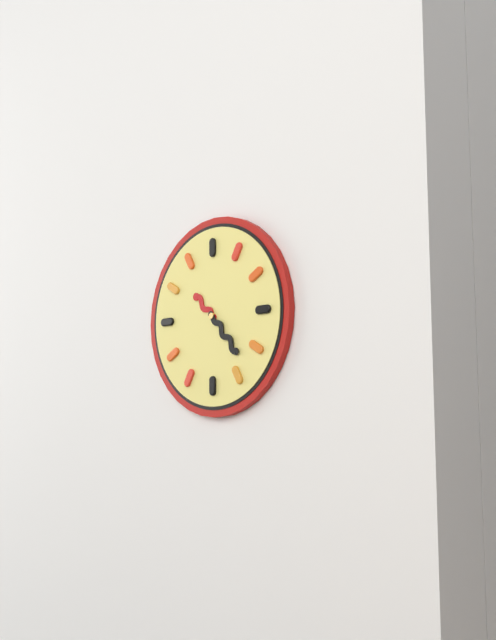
**10:23**
